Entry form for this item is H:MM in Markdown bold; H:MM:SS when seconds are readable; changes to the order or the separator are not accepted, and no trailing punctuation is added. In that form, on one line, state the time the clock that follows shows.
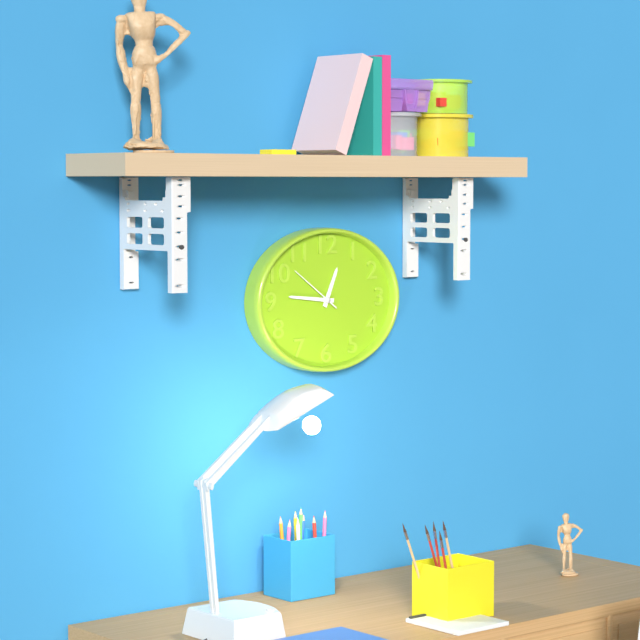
**12:46:51**
